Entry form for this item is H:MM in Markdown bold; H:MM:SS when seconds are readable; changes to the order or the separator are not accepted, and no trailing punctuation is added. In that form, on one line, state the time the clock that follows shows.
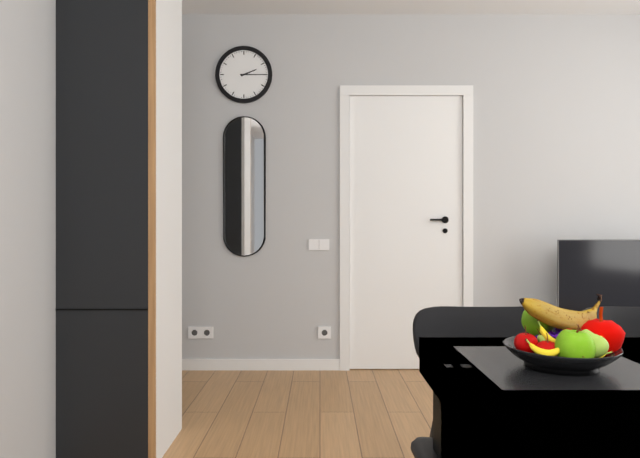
**2:15**
